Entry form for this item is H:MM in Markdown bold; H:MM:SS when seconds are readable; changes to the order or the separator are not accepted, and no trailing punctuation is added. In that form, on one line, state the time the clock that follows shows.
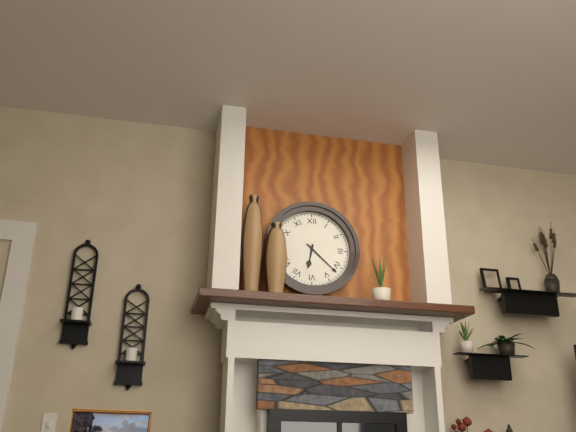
**6:22**
